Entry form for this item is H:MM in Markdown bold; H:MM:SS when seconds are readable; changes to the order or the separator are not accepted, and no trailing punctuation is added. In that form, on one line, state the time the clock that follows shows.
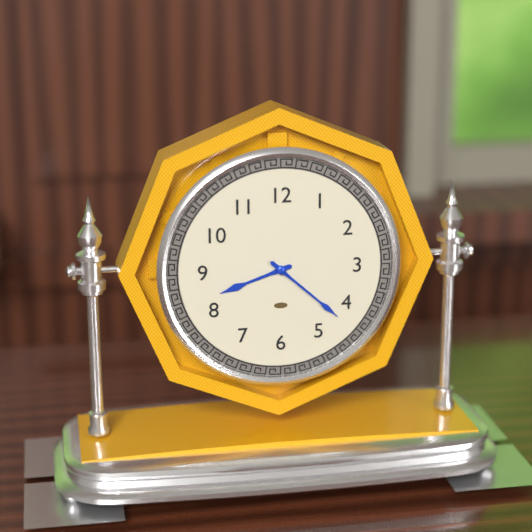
**8:22**
